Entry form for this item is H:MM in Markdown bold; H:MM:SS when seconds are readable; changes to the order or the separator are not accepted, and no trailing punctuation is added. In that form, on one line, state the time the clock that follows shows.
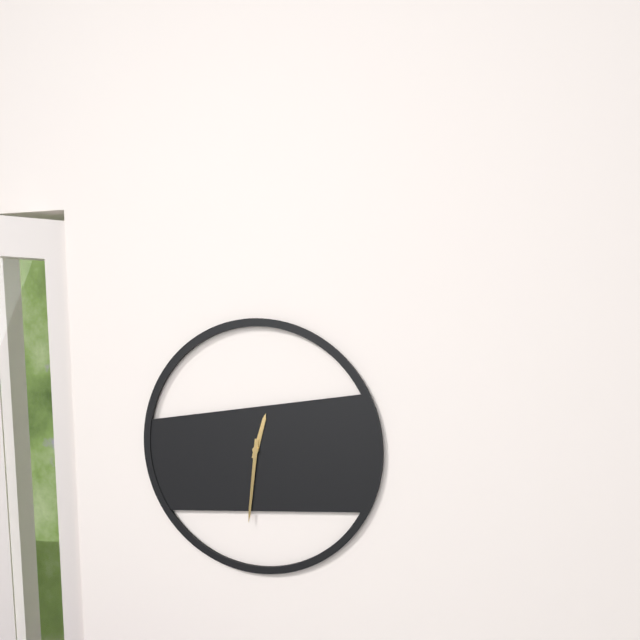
**12:31**
